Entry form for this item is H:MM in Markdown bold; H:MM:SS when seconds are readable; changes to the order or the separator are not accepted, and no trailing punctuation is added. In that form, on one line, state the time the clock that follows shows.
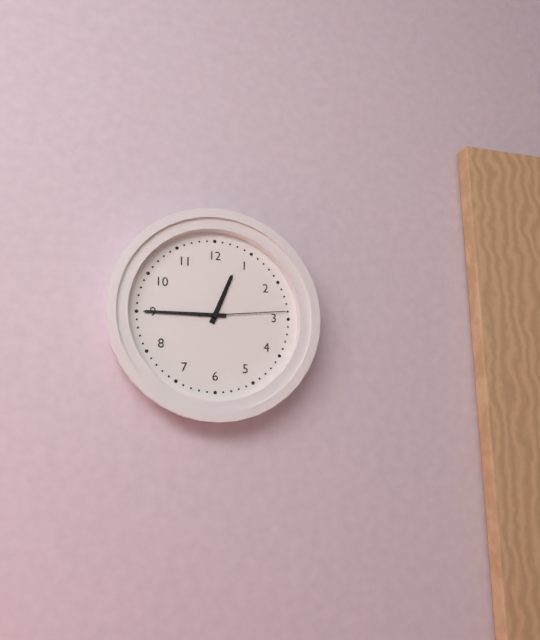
**12:45:14**
